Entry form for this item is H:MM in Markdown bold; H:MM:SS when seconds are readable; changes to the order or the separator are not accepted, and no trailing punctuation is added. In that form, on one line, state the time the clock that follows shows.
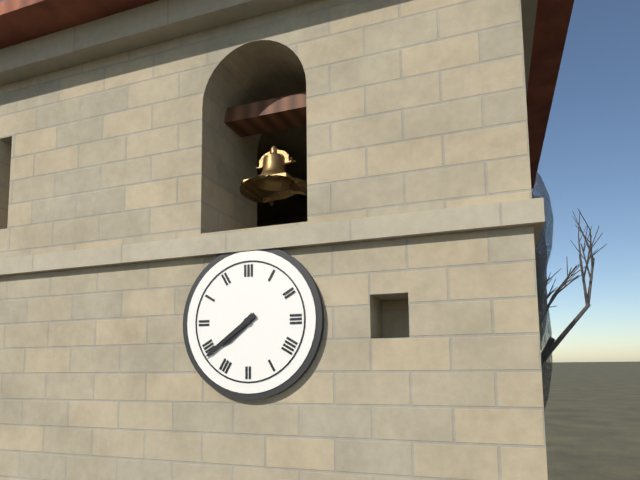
**7:39**
